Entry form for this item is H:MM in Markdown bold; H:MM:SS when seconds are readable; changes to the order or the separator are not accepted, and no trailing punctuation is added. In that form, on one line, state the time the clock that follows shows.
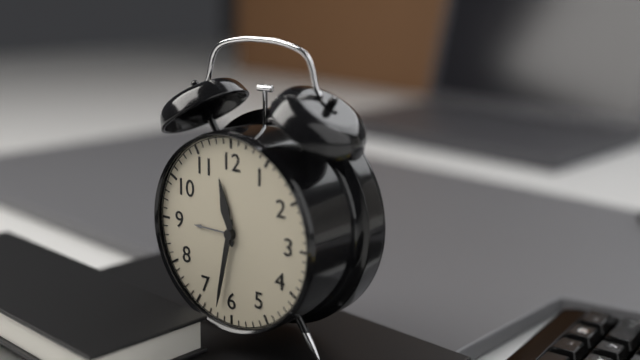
**11:32**
